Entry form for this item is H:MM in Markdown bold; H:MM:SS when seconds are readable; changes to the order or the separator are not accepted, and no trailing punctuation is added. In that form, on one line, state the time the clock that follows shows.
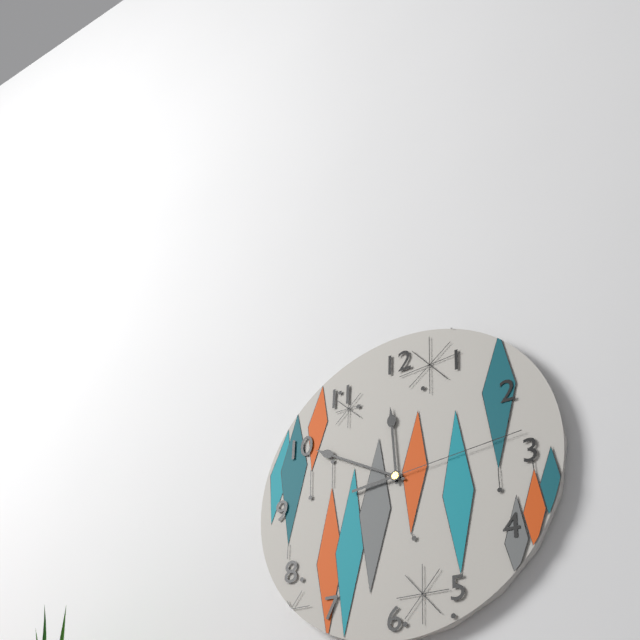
**11:50:14**
